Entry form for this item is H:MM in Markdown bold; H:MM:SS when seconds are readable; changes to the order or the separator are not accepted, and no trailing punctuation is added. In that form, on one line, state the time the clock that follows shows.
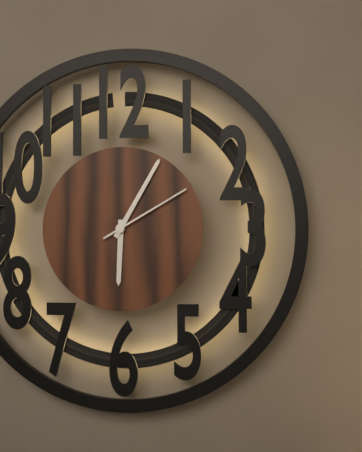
**6:05:10**
